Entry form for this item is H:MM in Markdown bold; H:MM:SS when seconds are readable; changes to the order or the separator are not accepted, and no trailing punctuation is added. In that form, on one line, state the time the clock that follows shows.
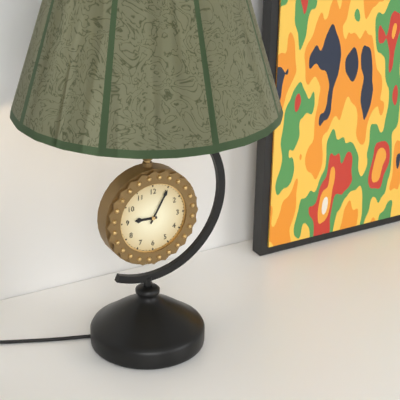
**9:05**
